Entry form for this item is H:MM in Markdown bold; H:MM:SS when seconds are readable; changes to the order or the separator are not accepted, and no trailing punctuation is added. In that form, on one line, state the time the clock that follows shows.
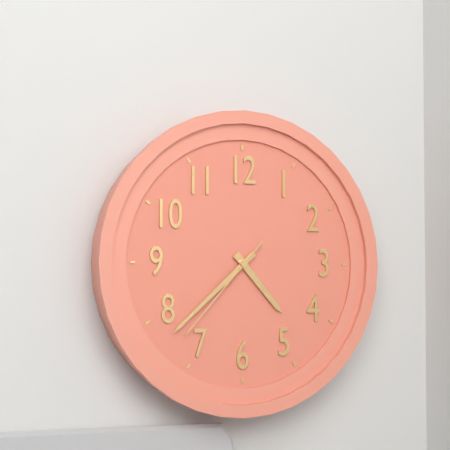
**4:38:37**
